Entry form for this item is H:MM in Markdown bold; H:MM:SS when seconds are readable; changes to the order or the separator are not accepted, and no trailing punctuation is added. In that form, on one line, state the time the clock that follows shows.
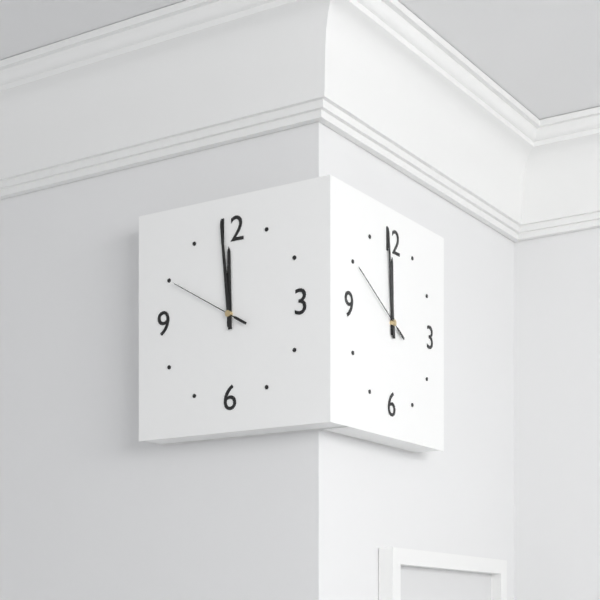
**11:59:50**
